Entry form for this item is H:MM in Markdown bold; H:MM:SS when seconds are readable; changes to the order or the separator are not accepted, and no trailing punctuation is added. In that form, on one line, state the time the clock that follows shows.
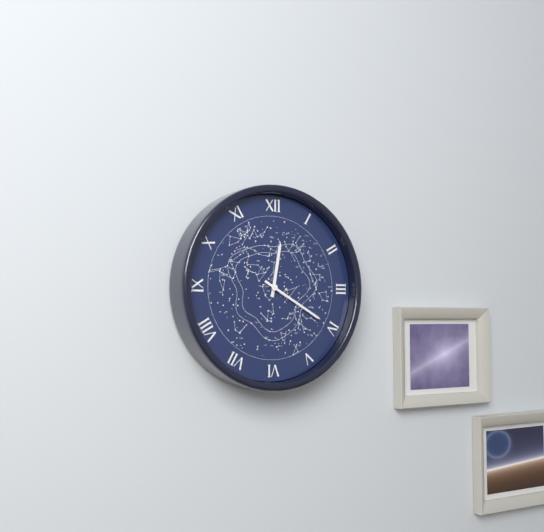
**12:20**
